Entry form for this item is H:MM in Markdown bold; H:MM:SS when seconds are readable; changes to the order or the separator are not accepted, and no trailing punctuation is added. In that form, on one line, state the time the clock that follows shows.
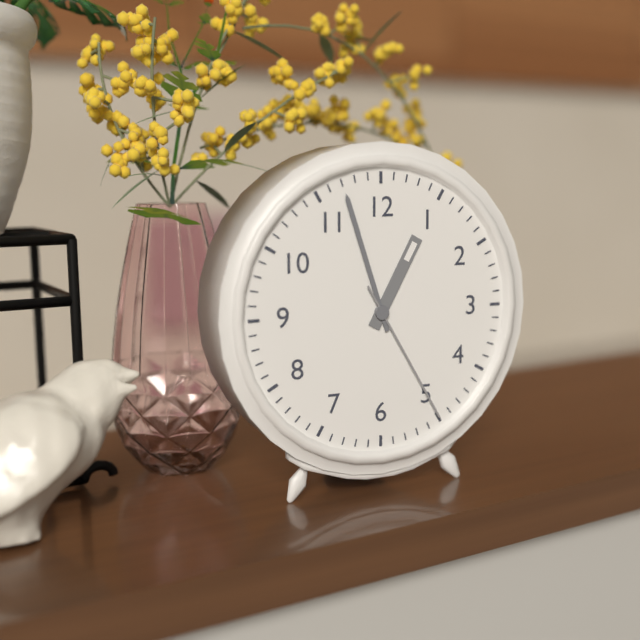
**12:57:25**
